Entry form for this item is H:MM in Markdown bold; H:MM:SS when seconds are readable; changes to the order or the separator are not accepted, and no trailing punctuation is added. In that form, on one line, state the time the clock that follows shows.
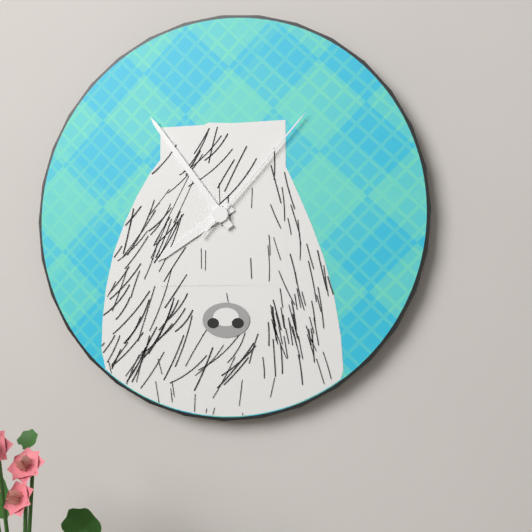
**7:54:07**
